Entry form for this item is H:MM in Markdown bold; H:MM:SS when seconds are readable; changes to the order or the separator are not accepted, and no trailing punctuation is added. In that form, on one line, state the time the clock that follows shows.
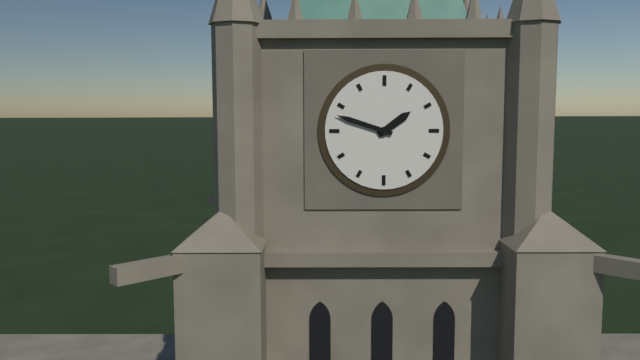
**1:48**
